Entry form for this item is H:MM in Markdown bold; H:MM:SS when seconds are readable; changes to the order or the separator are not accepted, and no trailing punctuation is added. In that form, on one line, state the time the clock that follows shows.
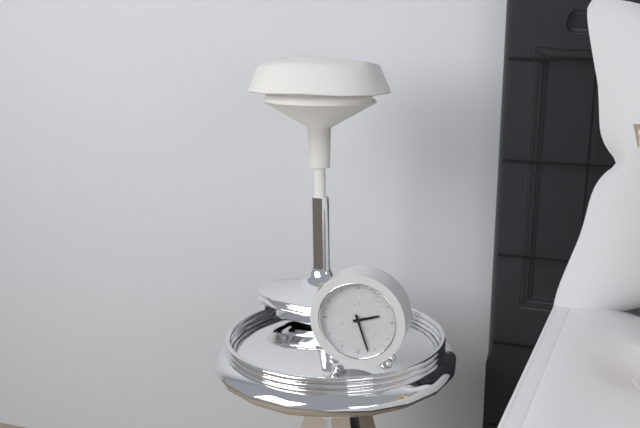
**2:27**
